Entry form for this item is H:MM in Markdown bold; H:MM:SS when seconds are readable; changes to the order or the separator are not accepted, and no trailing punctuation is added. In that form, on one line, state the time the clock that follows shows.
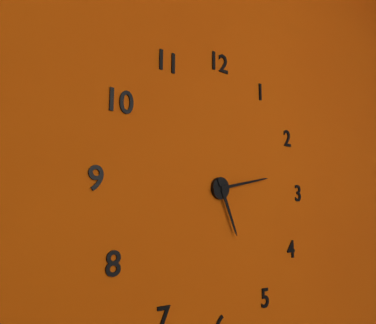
**5:13**
